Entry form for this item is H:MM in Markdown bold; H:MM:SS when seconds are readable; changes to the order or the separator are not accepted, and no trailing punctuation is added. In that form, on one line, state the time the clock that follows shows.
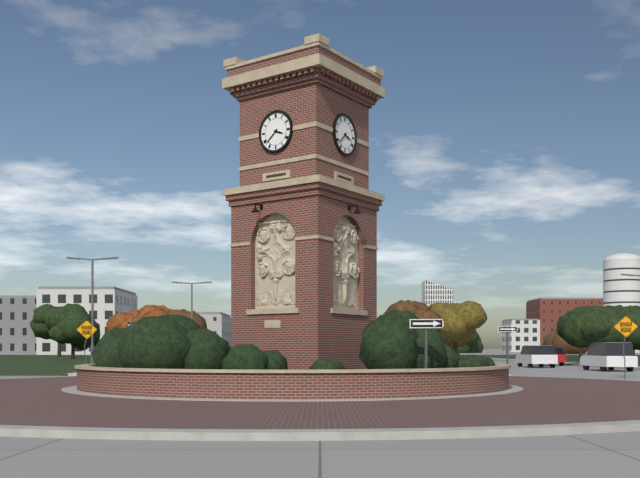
**3:38**
